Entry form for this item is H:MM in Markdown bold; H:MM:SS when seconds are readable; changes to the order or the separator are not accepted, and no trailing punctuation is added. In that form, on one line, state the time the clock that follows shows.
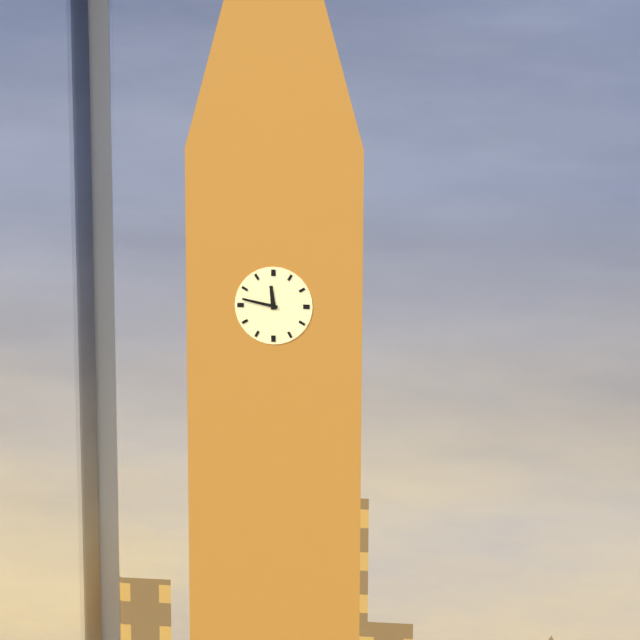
**11:47**
